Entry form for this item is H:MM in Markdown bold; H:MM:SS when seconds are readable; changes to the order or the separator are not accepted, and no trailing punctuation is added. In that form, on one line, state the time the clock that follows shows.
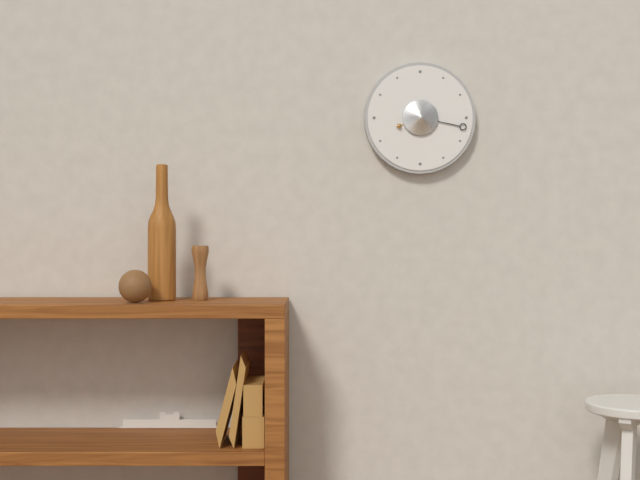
**8:17**
